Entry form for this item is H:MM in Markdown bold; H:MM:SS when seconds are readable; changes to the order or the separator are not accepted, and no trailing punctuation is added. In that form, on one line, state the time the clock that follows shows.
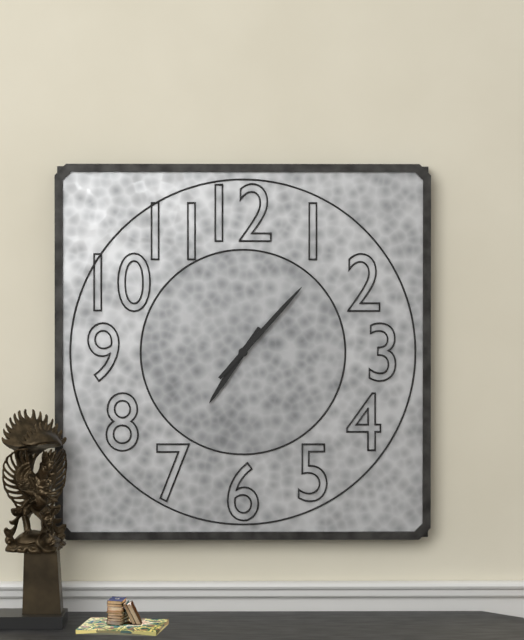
**7:07**
